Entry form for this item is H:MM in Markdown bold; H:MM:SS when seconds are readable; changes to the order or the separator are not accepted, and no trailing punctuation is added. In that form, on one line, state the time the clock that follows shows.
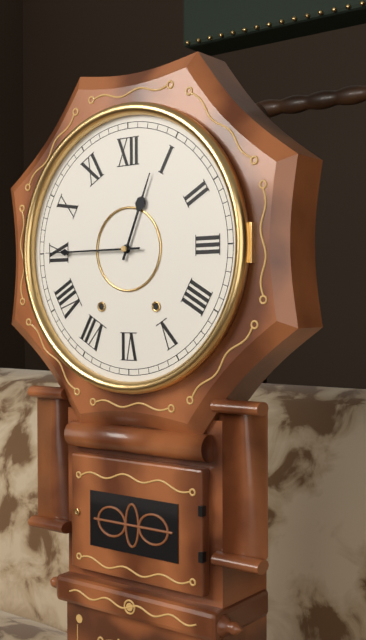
**12:45**
